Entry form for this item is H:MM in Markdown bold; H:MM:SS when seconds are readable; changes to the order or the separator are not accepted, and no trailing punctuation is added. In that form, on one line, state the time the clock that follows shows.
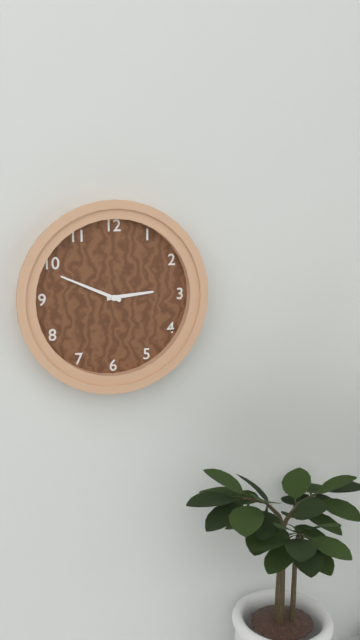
**2:49**
